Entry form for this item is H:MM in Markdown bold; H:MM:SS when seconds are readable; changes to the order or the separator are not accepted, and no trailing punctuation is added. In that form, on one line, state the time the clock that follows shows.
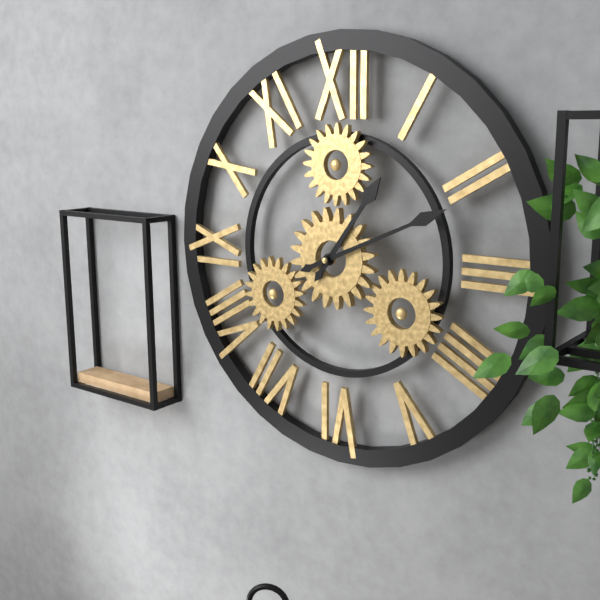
**1:11**
